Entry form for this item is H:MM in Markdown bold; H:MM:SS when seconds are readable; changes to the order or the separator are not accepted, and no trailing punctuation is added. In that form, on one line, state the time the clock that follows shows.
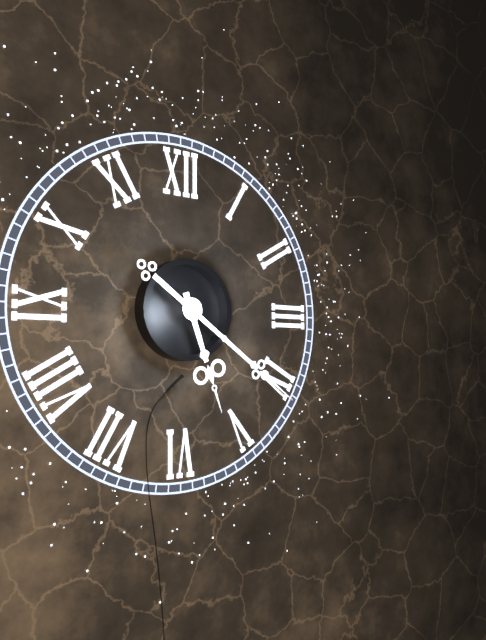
**5:21**
